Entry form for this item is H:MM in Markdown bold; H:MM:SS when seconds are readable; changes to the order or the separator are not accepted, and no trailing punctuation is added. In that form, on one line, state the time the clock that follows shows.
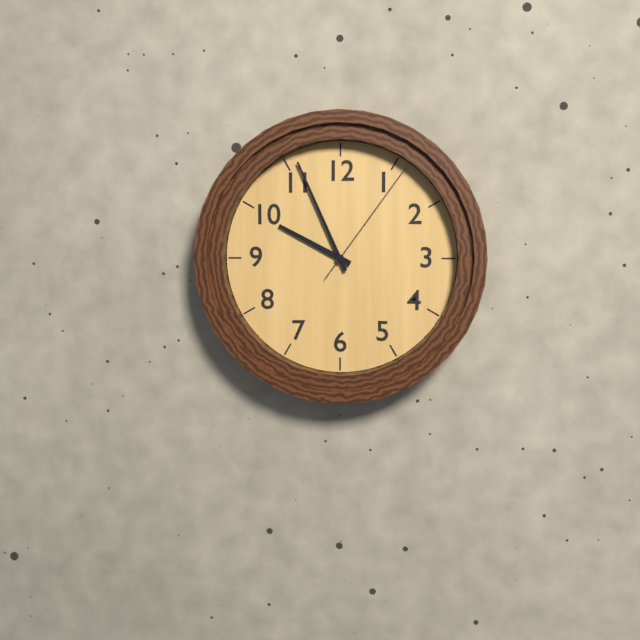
**9:56:06**
